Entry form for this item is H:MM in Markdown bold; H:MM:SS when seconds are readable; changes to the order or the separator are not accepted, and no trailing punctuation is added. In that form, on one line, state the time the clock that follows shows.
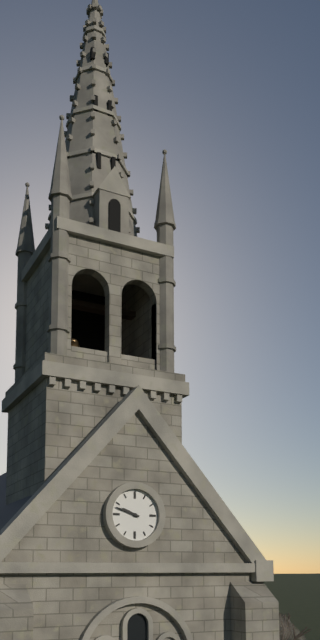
**9:48**
